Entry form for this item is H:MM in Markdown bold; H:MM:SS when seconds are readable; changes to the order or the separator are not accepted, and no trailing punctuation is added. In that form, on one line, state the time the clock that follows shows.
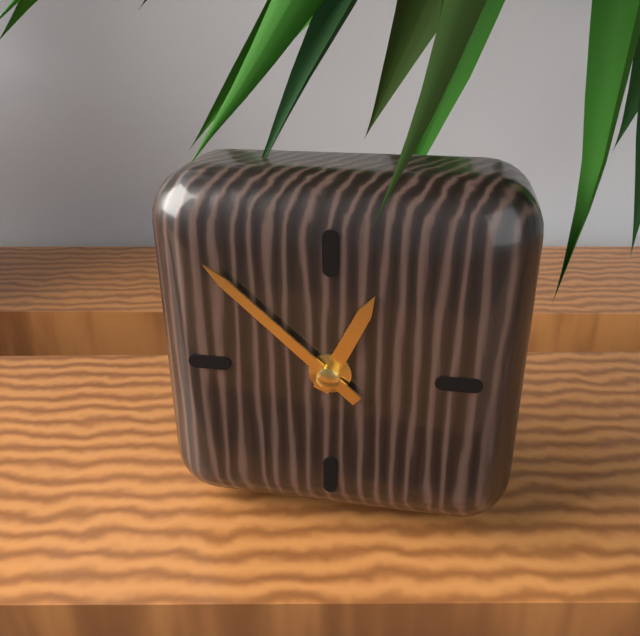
**12:52**
